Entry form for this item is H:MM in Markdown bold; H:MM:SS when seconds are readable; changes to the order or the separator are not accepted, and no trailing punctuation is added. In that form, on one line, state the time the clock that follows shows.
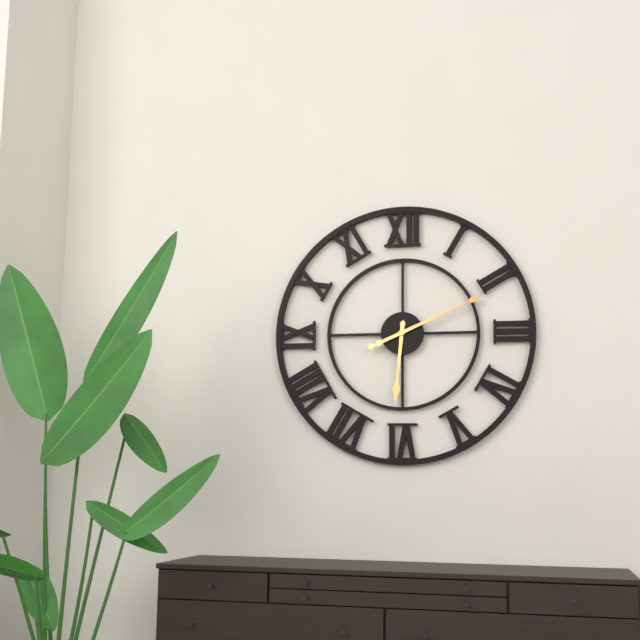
**6:11**
